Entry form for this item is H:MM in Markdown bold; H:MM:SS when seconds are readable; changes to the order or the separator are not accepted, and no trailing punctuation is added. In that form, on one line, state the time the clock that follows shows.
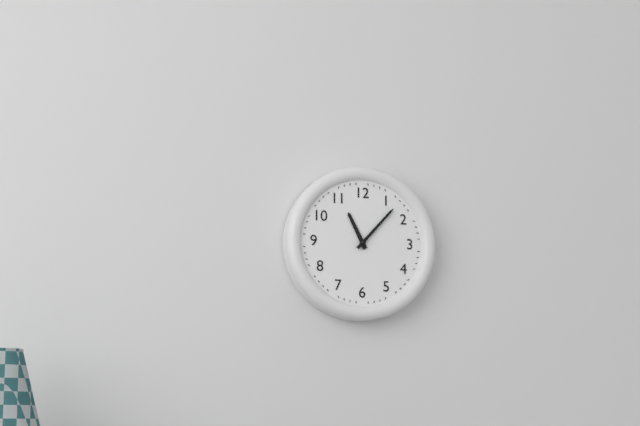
**11:07**
